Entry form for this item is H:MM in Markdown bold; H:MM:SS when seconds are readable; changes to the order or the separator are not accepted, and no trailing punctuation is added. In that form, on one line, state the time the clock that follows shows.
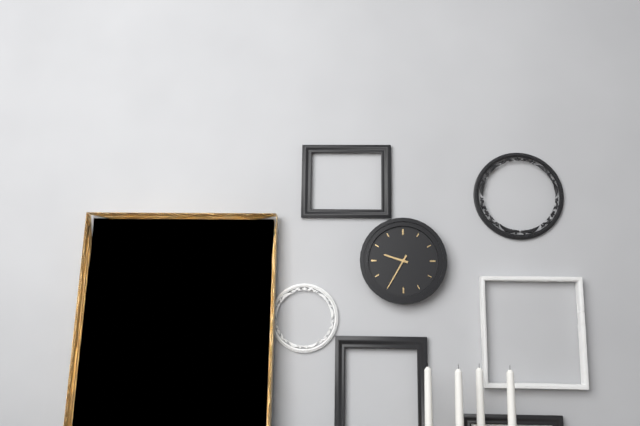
**9:35**
